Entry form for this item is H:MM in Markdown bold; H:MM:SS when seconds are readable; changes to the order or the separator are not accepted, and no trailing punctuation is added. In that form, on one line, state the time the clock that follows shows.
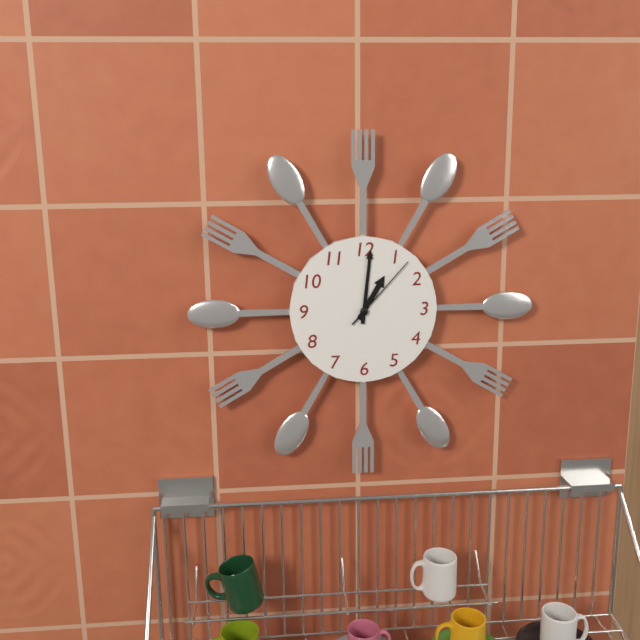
**1:01:07**
